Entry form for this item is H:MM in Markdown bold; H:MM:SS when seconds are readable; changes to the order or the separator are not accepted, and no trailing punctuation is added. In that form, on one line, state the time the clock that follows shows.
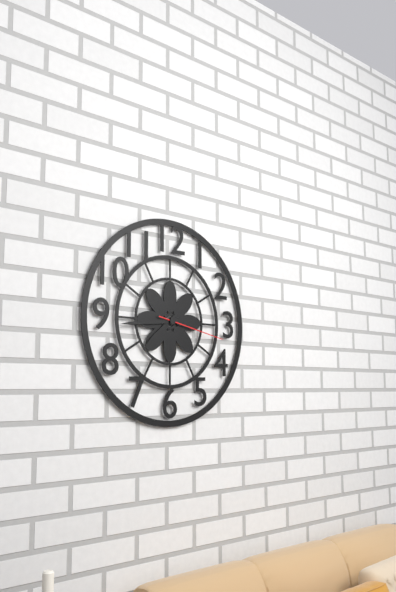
**7:44:17**
